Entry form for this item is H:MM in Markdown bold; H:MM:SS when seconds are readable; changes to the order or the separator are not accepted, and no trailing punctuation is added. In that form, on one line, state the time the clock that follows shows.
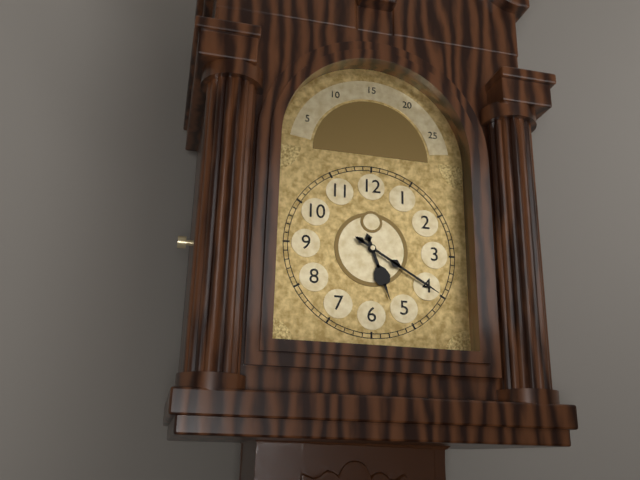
**5:20**
